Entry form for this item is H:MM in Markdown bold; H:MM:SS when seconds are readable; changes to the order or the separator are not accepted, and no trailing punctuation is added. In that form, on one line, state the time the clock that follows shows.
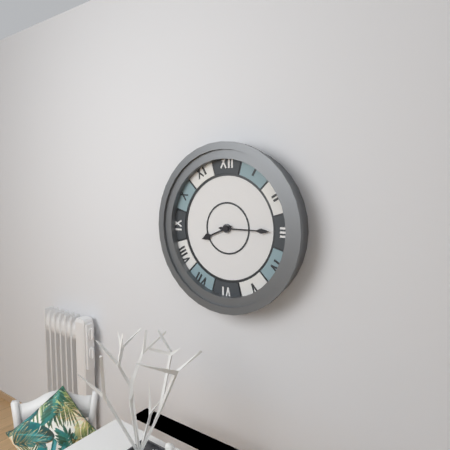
**8:15**
